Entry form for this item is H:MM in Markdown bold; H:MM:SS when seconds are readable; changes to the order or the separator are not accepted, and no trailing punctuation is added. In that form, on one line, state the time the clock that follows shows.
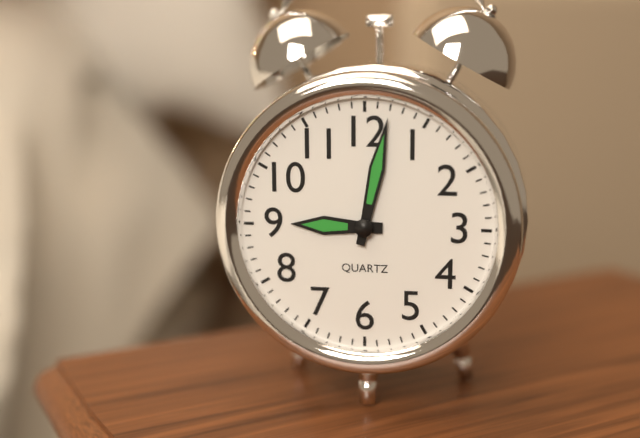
**9:02**
